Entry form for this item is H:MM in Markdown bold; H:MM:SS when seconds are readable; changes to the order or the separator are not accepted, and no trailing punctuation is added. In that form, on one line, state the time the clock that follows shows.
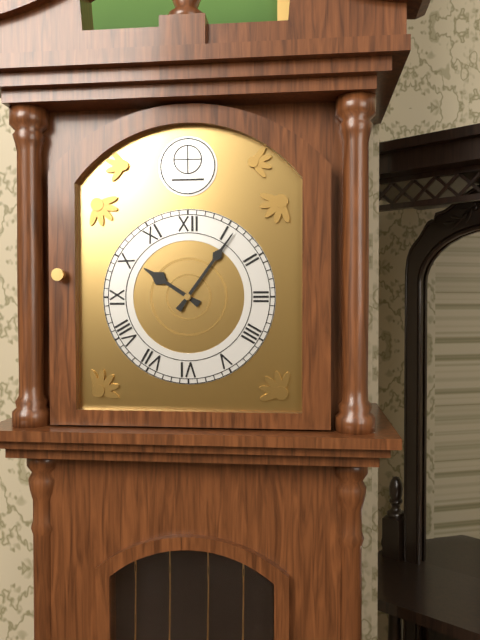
**10:06**
